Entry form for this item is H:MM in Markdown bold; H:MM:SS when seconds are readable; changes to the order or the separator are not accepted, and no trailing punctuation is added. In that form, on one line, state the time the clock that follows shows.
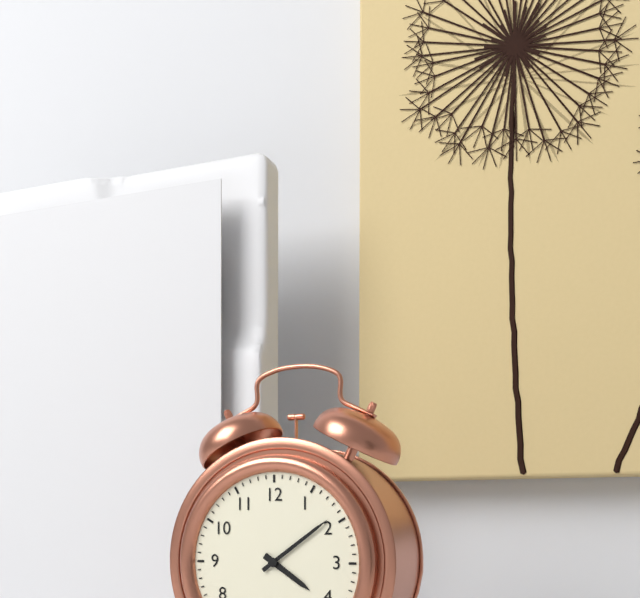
**4:09**
